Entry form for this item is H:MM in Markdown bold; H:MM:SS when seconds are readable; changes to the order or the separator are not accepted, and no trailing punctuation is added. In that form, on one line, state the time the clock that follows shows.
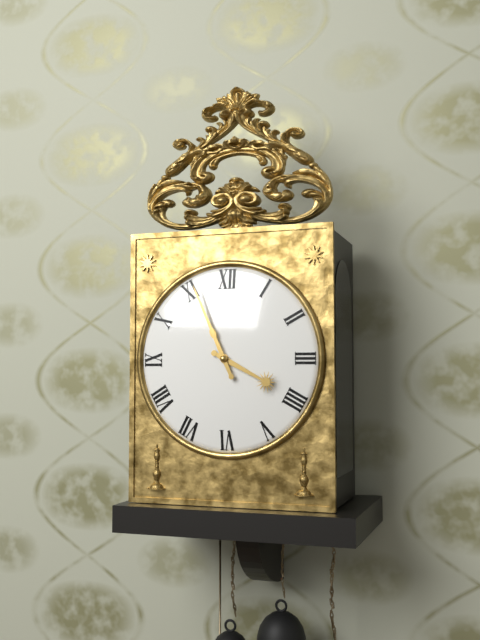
**3:56**
